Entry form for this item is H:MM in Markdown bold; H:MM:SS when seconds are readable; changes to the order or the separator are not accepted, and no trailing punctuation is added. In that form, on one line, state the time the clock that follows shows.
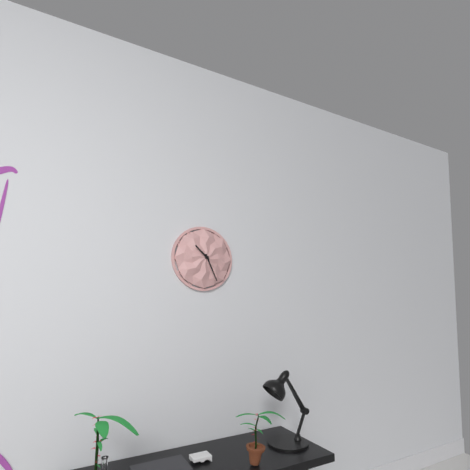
**10:26**
